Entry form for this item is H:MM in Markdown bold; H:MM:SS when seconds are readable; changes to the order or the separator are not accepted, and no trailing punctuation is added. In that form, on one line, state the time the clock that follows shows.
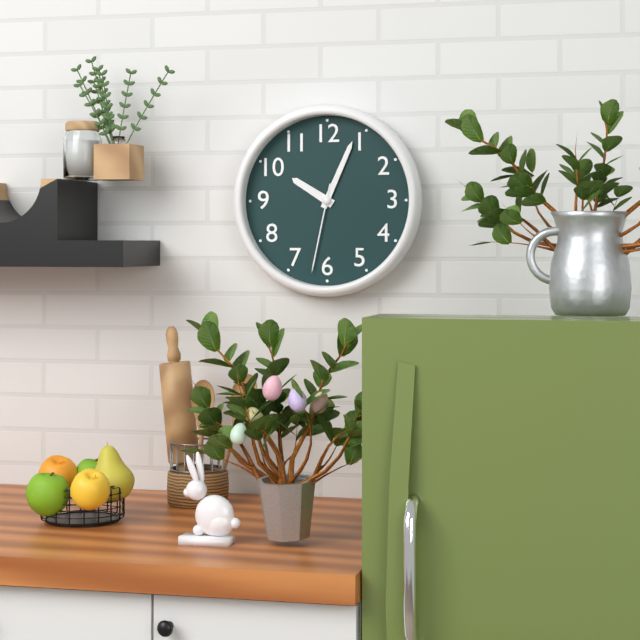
**10:04:32**
